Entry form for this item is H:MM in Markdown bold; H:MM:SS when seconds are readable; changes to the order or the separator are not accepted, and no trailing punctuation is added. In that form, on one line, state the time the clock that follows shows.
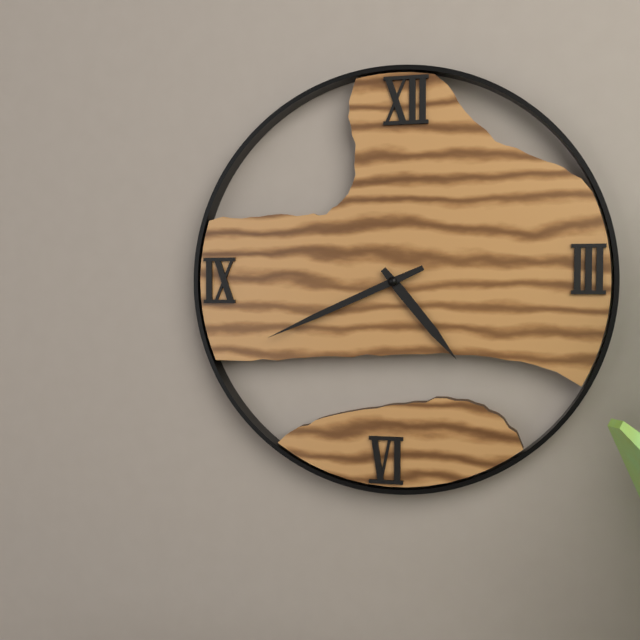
**4:41**
